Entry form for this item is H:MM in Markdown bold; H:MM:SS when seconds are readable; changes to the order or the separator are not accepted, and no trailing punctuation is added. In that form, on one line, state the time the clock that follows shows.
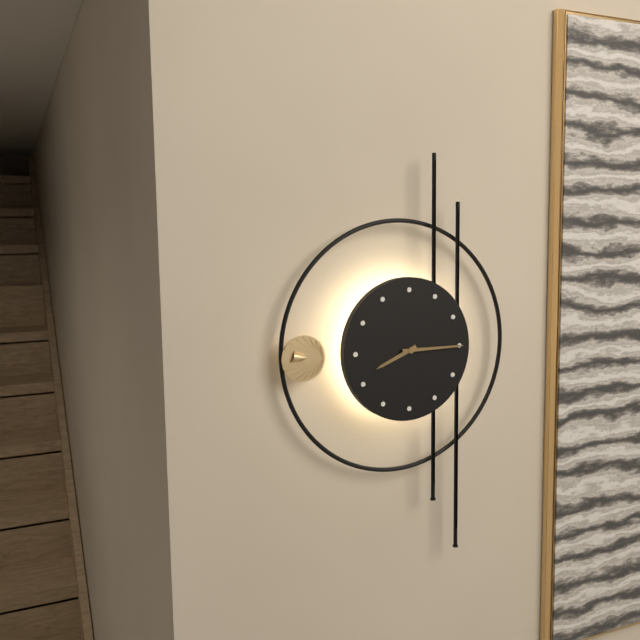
**8:15**
